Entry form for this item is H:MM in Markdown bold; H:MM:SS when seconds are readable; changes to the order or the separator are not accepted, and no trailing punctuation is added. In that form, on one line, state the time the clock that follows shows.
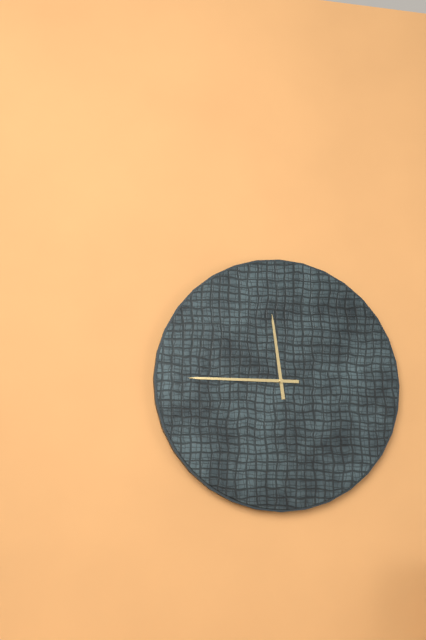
**11:45**
